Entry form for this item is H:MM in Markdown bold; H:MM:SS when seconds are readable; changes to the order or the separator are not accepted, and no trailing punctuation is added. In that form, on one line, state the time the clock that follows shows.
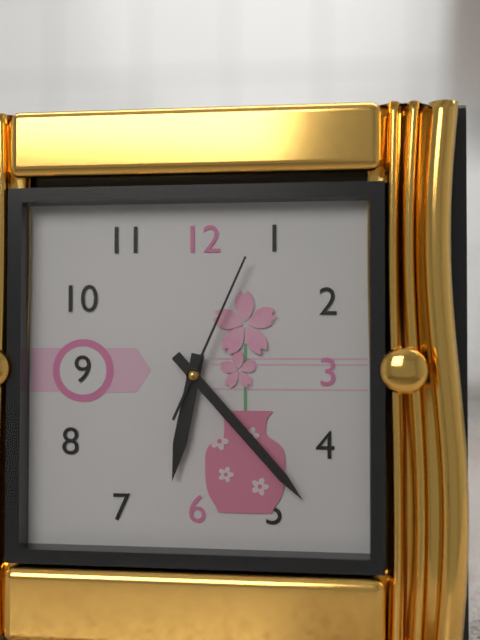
**6:23:04**
